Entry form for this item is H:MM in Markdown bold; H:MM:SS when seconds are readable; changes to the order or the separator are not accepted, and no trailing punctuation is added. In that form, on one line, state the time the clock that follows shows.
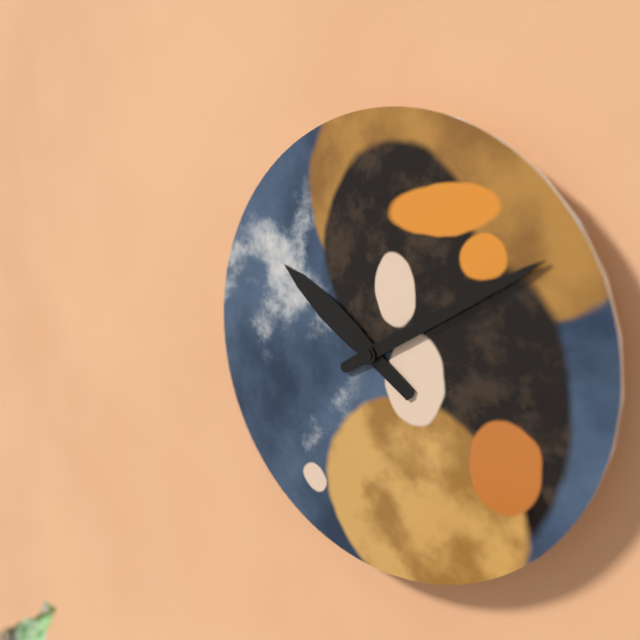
**10:10**
